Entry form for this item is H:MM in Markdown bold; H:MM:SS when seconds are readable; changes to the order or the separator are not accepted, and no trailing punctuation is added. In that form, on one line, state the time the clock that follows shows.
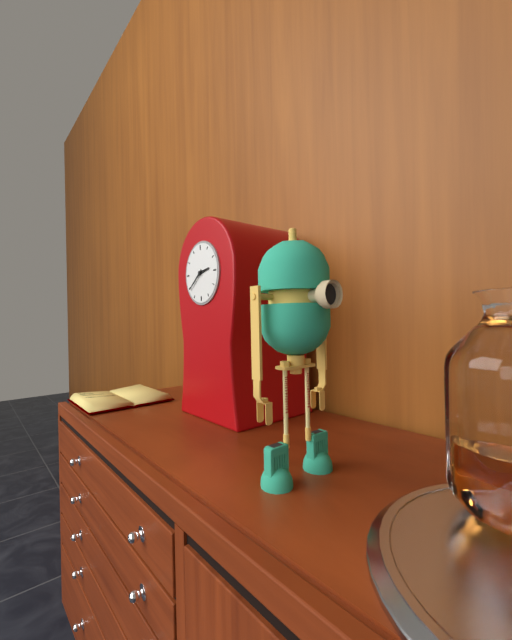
**2:39**
